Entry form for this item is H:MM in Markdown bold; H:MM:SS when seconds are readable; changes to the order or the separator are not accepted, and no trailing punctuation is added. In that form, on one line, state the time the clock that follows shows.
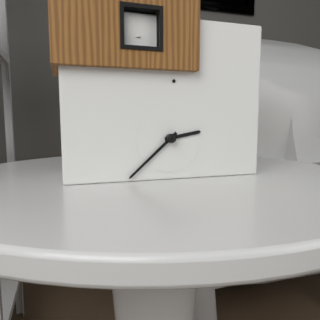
**2:38**
